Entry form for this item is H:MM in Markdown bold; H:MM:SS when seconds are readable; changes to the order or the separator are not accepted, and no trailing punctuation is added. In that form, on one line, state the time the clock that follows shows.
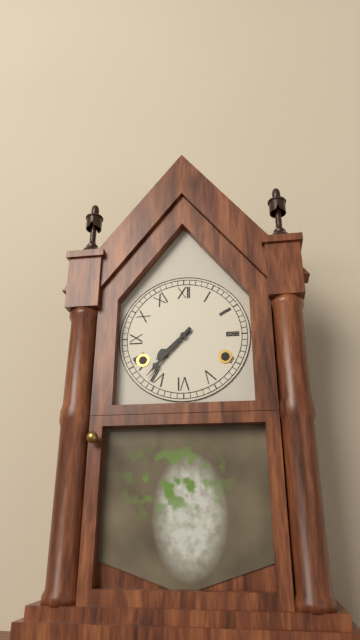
**7:37**
